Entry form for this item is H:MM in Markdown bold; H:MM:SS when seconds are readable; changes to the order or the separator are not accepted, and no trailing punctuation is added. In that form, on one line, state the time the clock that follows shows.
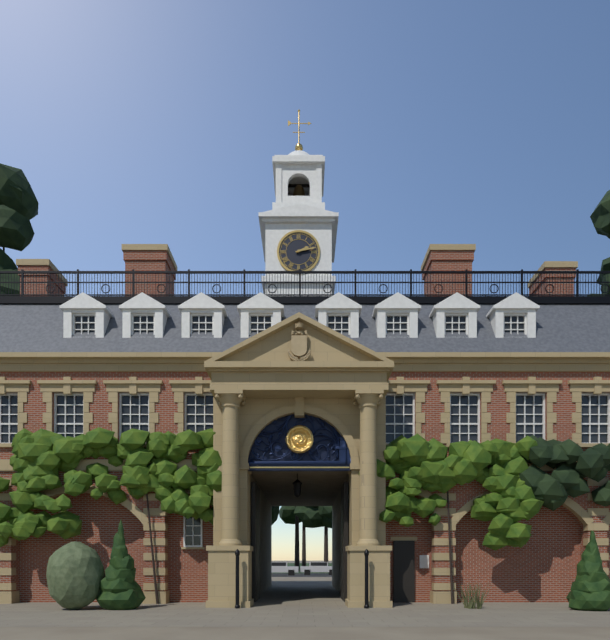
**2:13**
